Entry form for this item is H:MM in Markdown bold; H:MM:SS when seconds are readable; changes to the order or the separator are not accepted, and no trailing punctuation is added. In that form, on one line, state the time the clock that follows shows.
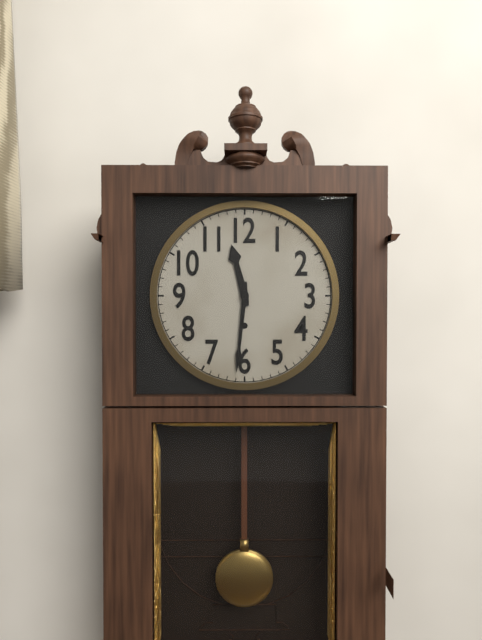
**11:31**
